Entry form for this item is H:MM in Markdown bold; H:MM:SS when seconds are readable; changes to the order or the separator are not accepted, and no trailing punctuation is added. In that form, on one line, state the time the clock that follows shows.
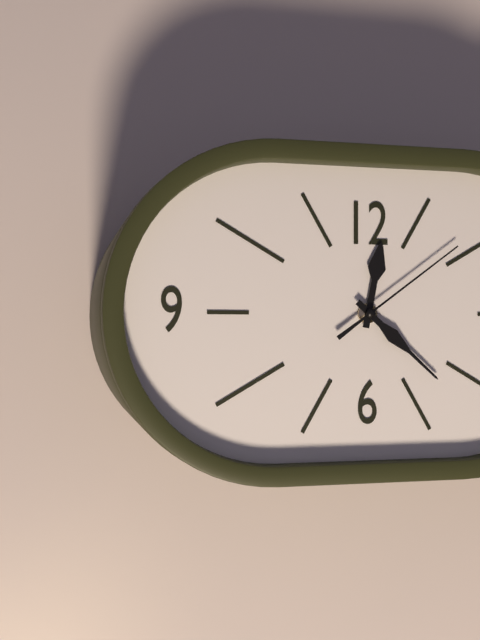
**12:22:09**
